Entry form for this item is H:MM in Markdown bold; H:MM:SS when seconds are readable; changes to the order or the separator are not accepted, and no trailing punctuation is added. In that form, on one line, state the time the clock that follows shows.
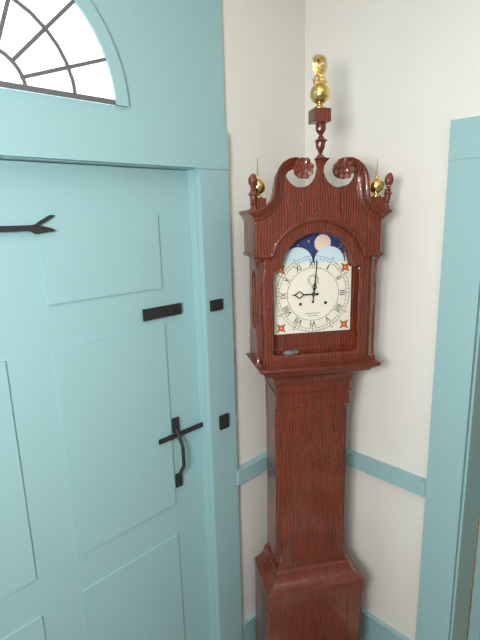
**9:01**
